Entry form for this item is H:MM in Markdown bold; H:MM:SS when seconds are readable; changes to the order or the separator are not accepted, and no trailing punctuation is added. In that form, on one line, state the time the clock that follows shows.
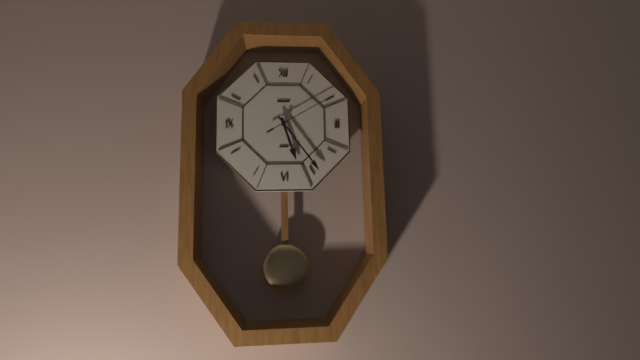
**5:24:10**
